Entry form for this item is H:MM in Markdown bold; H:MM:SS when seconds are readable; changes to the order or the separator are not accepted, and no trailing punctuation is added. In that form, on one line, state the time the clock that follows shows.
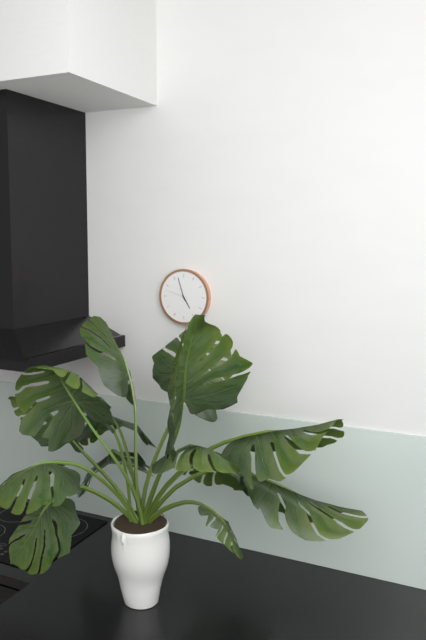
**4:57**
